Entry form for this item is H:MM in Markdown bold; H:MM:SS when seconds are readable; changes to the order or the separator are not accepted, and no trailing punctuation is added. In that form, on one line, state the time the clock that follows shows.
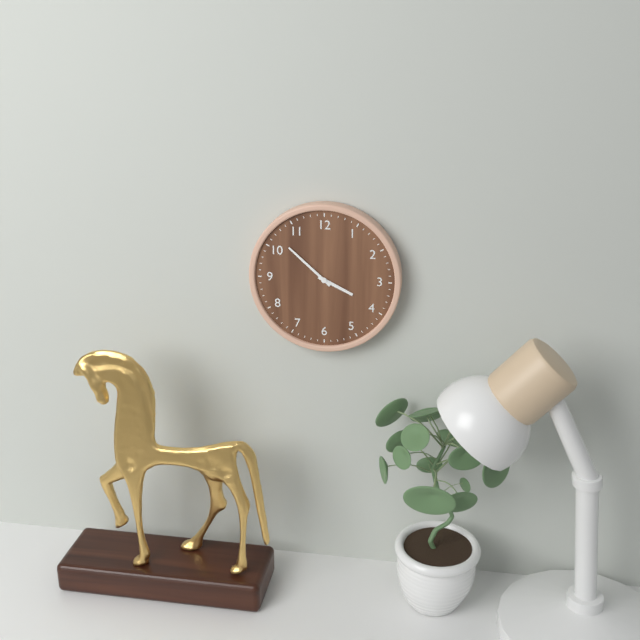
**3:52**
